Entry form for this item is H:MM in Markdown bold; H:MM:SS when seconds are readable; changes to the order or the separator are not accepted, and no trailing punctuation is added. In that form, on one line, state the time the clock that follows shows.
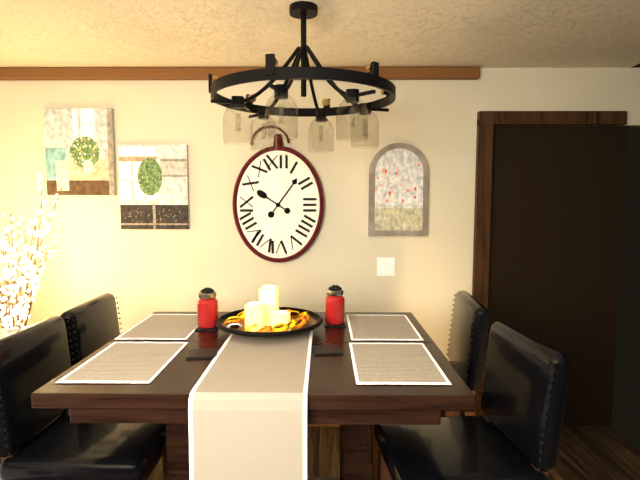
**10:06**
